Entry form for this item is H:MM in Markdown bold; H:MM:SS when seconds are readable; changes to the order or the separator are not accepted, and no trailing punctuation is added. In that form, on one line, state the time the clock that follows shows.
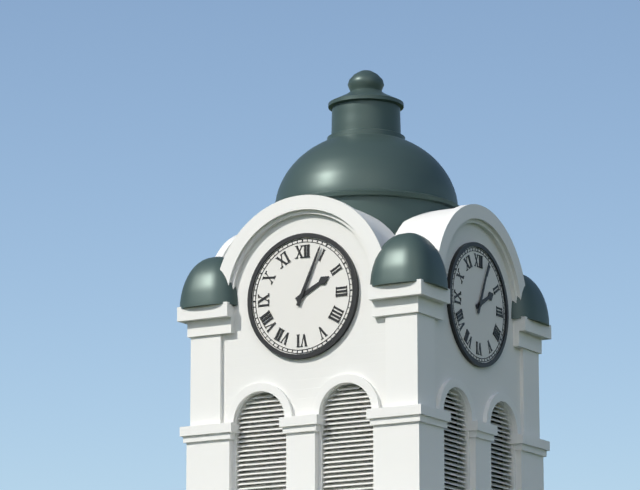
**2:04**
